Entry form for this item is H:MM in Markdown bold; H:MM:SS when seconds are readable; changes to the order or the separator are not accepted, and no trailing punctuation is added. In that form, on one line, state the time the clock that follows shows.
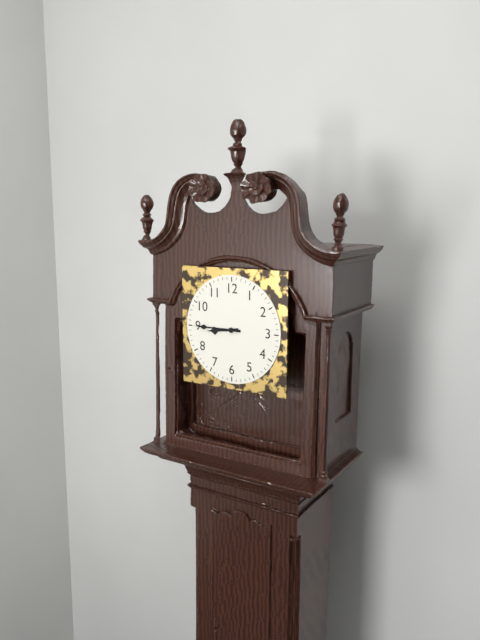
**8:45**
